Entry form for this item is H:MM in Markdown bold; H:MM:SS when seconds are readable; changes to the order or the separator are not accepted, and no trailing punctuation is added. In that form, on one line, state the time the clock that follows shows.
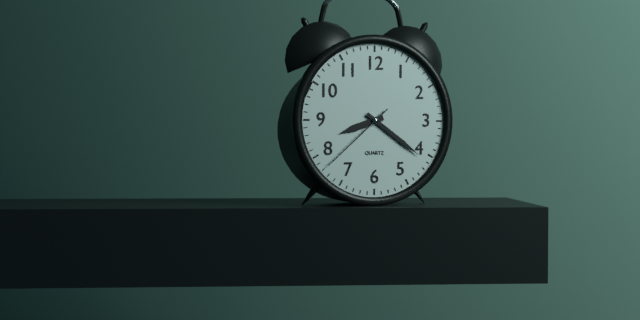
**8:21:38**
